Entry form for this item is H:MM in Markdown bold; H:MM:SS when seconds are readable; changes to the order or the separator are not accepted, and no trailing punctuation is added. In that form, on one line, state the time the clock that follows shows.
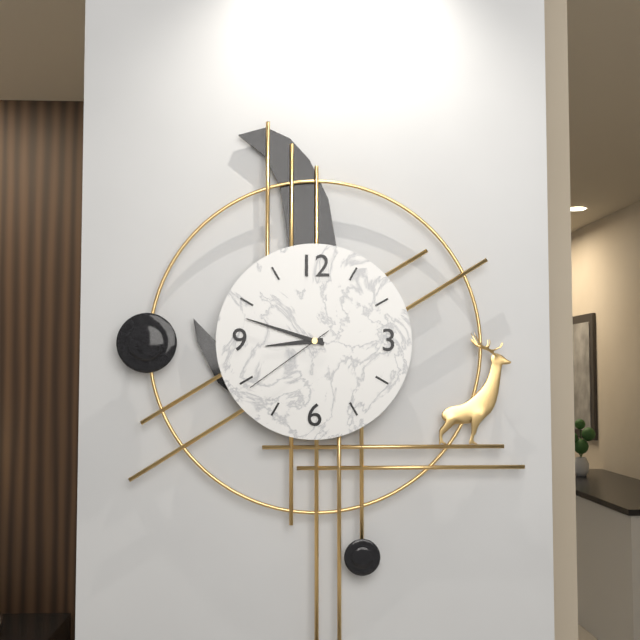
**8:48:39**
